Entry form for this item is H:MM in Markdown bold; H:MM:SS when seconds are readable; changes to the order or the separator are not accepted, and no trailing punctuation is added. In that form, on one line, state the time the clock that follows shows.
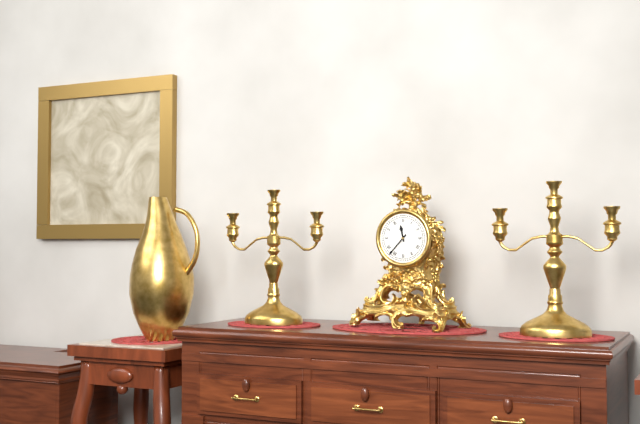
**11:37**
